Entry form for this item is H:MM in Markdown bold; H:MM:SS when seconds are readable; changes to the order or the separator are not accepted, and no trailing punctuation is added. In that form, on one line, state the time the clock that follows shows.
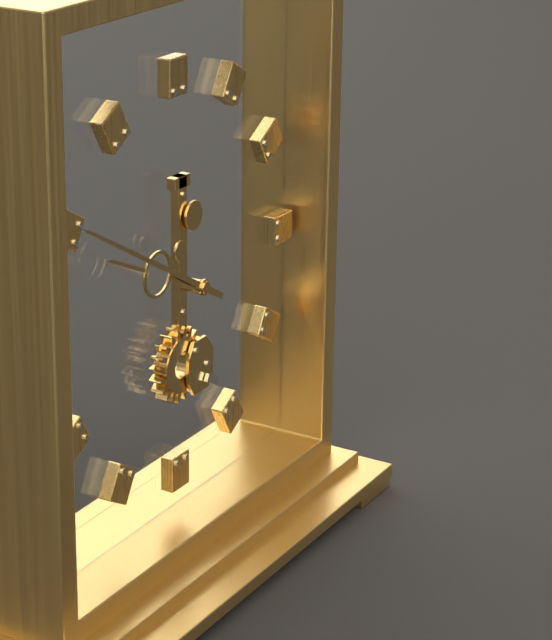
**9:50**
